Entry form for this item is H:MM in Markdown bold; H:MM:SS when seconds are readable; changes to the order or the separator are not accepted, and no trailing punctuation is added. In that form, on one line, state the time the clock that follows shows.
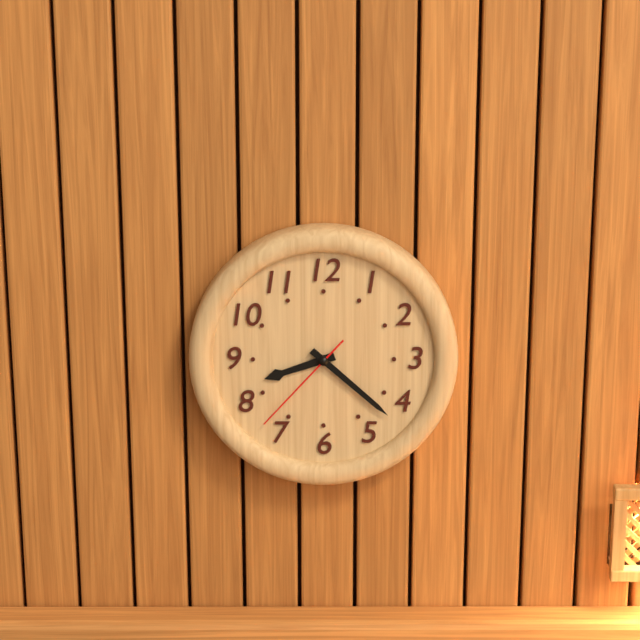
**8:22:37**
